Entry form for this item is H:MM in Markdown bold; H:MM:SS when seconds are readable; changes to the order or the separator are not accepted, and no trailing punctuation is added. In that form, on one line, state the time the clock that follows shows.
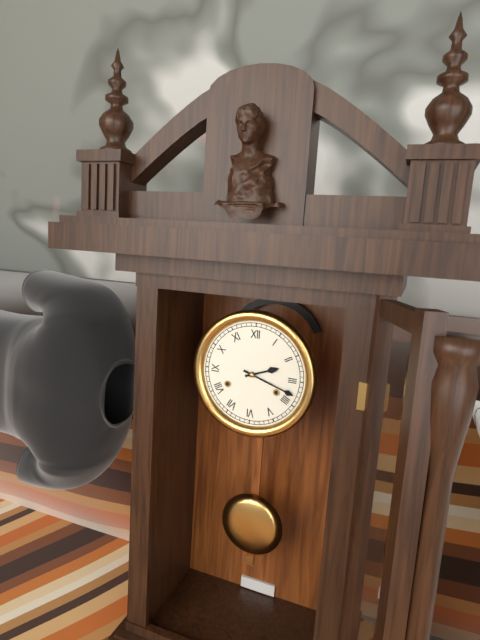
**2:18**
